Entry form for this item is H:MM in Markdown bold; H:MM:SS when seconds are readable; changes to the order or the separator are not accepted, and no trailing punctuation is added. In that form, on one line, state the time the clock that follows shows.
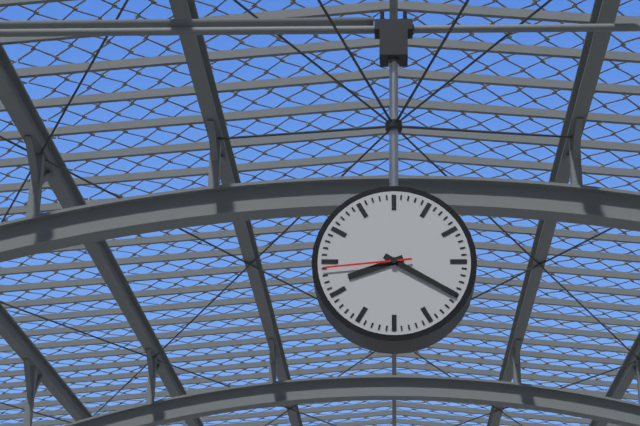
**8:20:44**
